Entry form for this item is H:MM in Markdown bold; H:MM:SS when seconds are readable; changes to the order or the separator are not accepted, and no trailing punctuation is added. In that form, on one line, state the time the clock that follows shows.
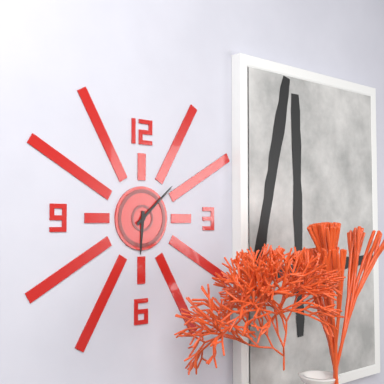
**6:08**
